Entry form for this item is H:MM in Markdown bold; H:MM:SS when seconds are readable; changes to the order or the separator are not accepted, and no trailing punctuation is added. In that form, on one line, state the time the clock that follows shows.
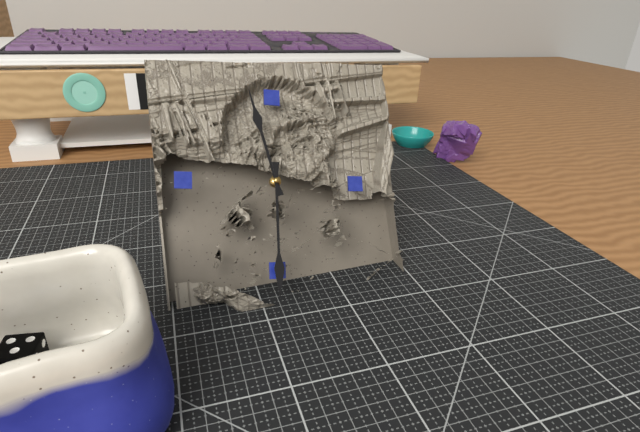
**11:30**
